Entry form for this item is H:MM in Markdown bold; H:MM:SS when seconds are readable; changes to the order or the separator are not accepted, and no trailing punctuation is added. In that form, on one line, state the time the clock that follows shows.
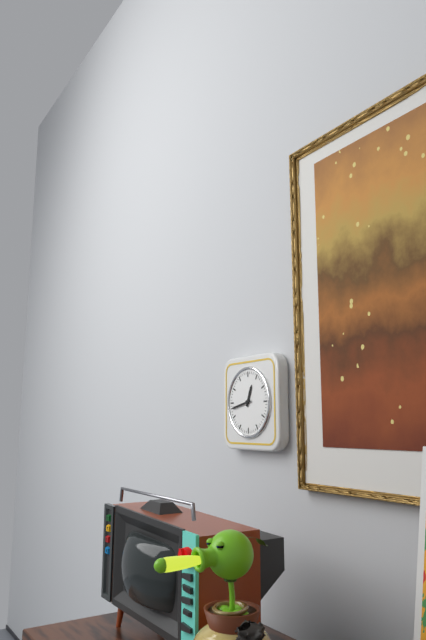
**12:43**
